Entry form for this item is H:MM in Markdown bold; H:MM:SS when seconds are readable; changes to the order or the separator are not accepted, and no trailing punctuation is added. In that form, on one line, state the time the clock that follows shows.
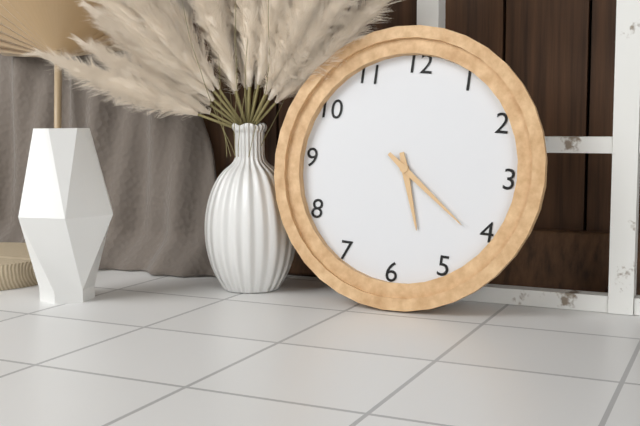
**5:21**
